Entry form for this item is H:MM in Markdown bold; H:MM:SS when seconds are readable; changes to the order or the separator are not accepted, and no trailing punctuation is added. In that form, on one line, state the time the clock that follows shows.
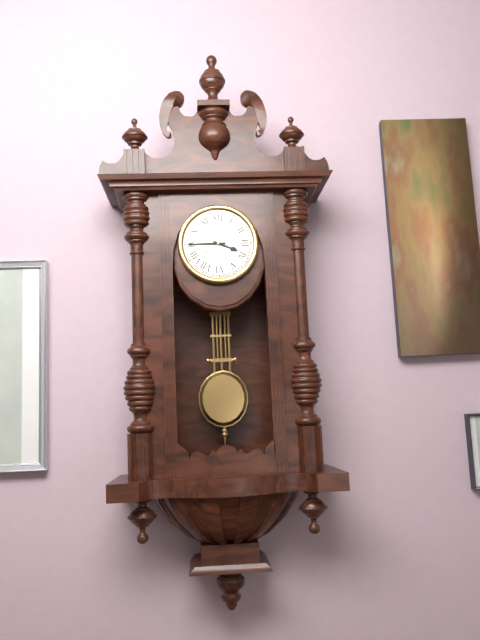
**3:45**
